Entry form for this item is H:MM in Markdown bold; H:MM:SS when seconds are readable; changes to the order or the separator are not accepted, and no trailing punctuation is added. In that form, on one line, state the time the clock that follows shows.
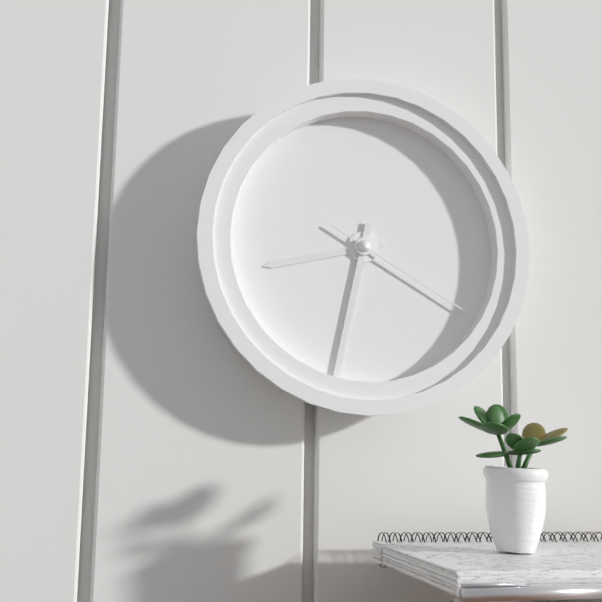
**8:32:20**
